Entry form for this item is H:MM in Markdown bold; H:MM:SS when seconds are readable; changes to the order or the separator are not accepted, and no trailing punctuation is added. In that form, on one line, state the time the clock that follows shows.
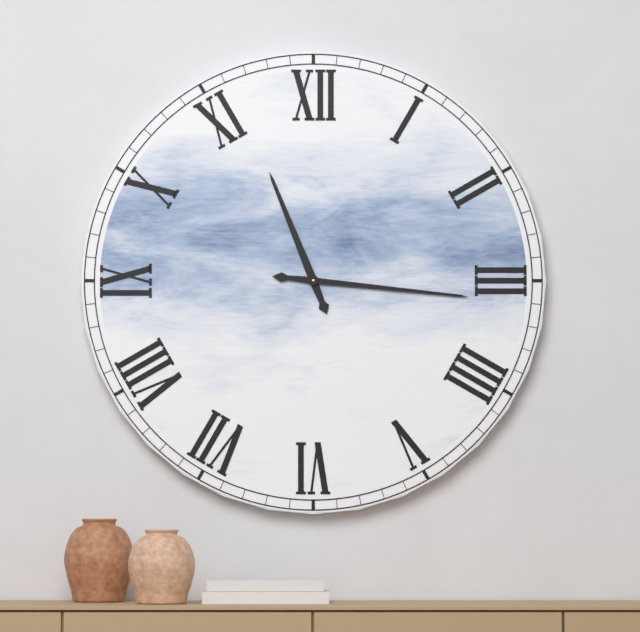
**11:16**
